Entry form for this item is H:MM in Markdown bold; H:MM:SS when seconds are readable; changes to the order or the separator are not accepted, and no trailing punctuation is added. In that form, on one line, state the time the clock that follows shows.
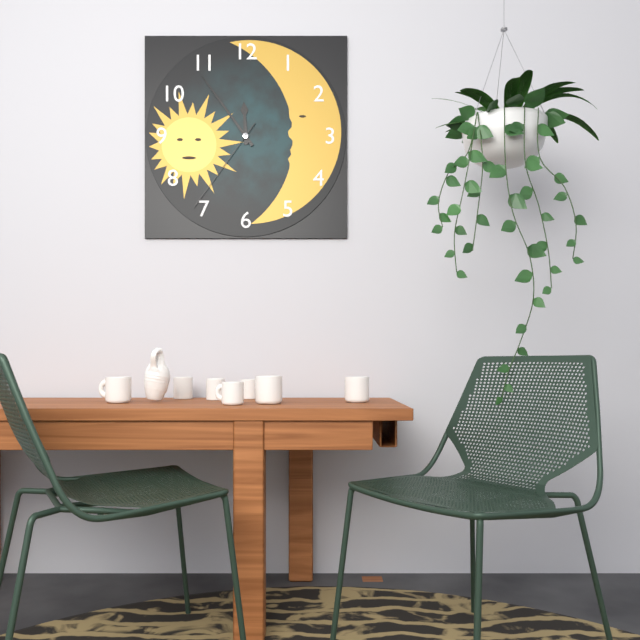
**11:54:36**
